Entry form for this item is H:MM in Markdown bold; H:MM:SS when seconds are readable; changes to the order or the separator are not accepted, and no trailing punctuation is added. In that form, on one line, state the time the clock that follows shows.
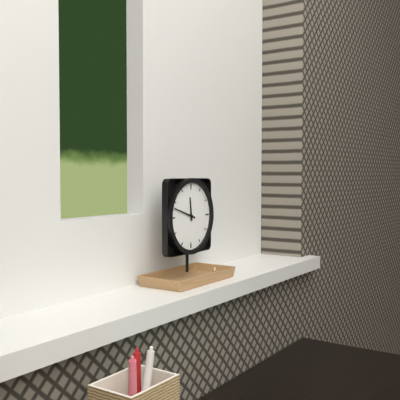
**11:48**
